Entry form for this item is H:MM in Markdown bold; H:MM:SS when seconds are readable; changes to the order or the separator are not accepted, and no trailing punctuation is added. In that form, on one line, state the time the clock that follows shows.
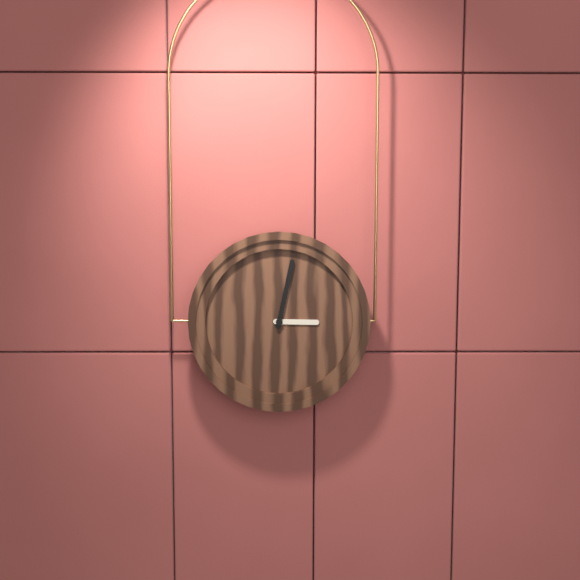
**3:02**
